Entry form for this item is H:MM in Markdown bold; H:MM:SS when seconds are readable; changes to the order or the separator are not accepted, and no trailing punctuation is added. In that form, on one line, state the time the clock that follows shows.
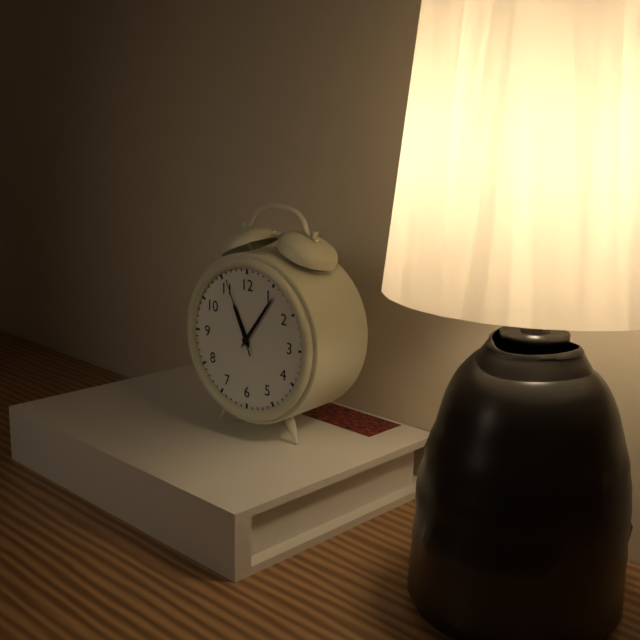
**11:06:56**
